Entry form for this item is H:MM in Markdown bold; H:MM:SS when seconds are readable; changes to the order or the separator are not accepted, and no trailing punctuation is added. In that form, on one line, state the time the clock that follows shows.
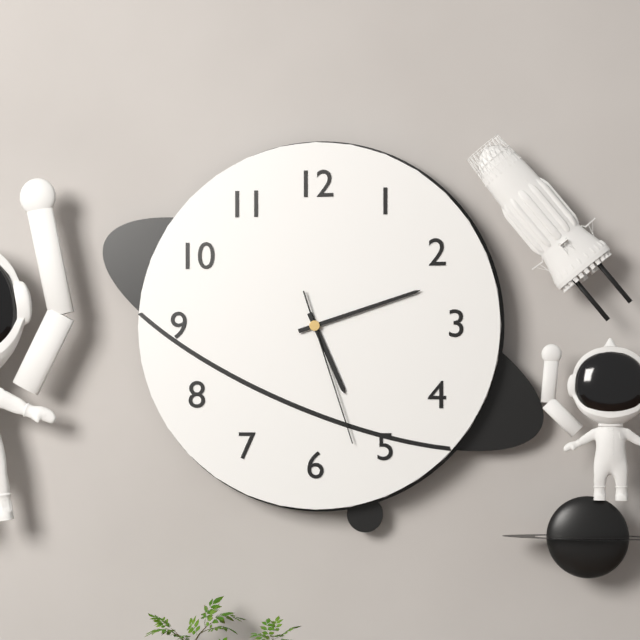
**5:12:27**
